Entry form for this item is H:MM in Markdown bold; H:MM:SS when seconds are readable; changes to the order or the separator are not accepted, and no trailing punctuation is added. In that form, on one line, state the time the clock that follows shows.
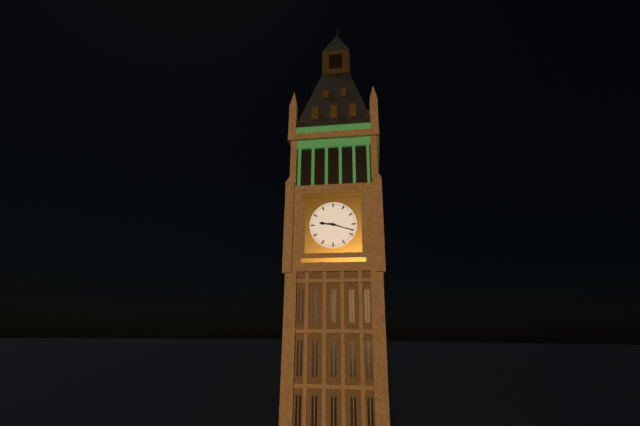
**9:18**
